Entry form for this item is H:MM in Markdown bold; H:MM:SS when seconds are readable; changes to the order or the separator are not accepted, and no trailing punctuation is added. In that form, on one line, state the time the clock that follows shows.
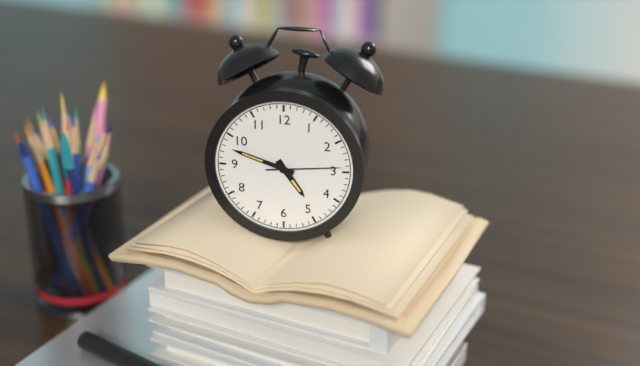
**4:48:14**
